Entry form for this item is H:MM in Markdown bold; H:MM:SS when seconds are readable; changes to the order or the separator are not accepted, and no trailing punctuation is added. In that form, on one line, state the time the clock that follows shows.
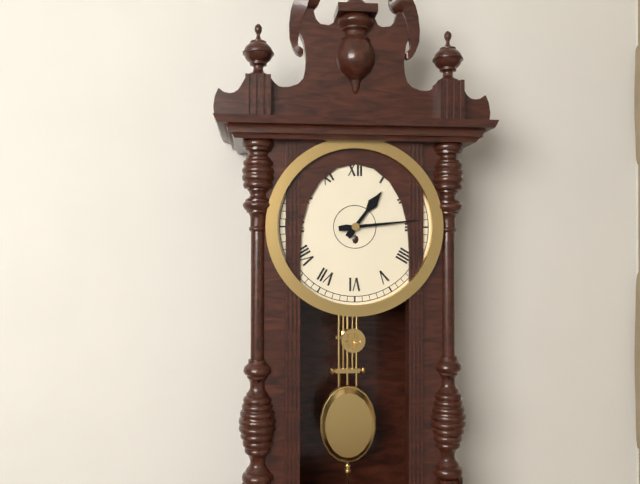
**1:14**
